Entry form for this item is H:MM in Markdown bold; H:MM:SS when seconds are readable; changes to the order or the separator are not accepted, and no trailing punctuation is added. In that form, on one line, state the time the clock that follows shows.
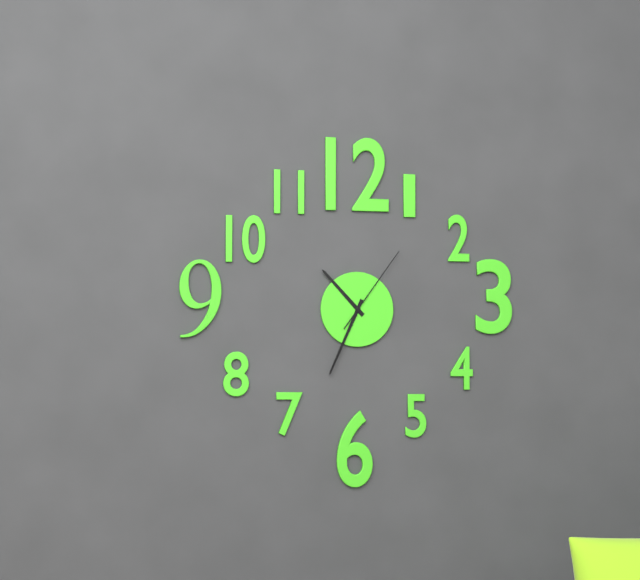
**10:34:06**
